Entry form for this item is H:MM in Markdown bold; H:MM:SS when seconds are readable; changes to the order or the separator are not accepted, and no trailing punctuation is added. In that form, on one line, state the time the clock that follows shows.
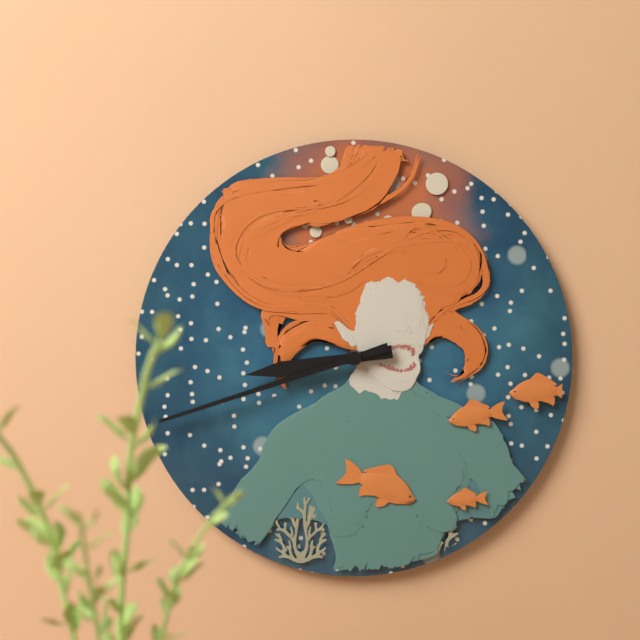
**8:42**
